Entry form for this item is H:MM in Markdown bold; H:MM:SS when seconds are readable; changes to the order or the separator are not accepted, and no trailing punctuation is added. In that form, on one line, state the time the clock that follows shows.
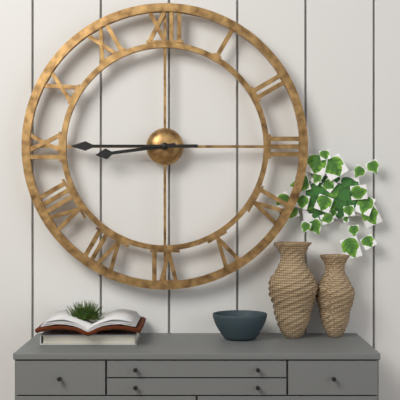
**8:45**
